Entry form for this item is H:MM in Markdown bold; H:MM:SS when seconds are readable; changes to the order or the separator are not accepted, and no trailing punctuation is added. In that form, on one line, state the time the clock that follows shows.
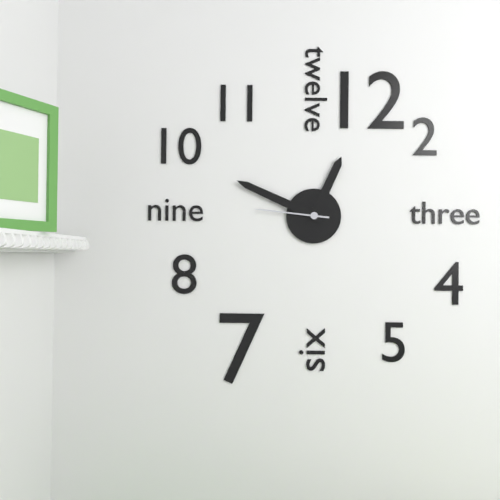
**12:49:46**
